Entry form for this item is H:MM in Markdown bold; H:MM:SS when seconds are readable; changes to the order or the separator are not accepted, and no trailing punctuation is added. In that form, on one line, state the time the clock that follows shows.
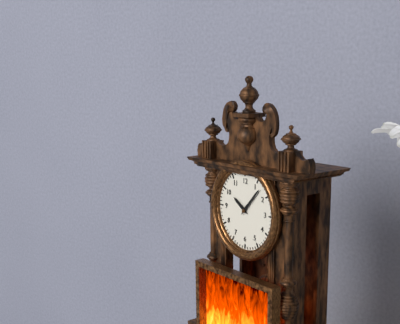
**10:07**
